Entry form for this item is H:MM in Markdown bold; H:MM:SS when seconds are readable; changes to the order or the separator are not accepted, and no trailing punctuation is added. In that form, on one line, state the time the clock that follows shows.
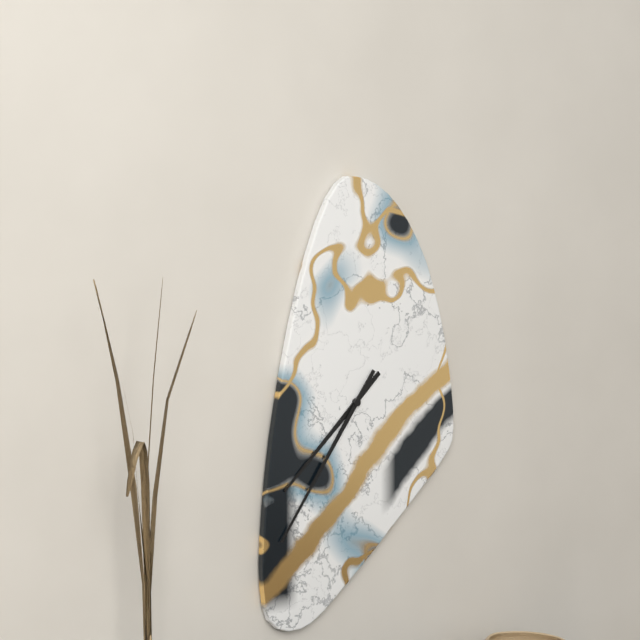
**7:36**
